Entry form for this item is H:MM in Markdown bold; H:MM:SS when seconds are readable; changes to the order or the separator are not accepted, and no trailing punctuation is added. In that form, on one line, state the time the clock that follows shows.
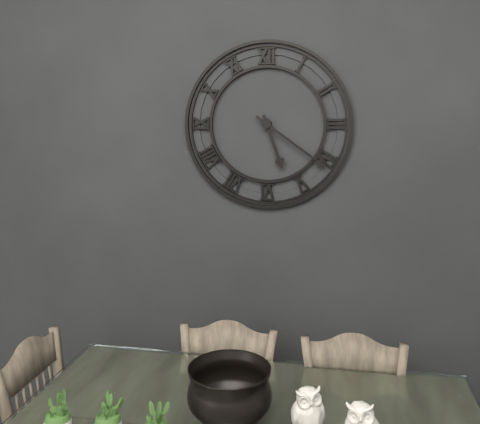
**5:21**
